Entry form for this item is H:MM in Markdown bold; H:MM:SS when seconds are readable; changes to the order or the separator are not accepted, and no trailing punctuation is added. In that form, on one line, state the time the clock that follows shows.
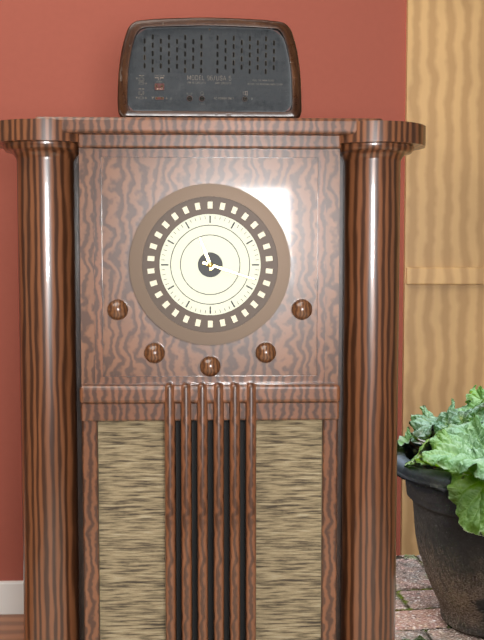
**11:18**
